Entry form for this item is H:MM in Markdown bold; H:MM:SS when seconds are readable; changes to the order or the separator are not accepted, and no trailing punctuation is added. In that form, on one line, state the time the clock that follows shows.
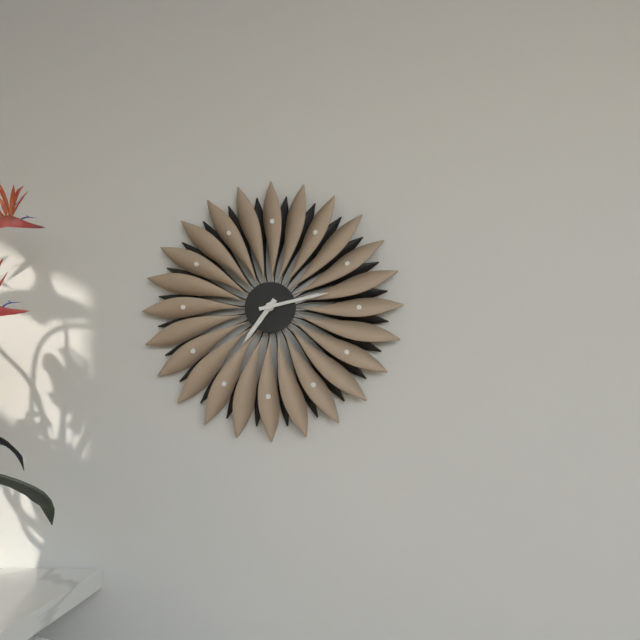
**7:13**
